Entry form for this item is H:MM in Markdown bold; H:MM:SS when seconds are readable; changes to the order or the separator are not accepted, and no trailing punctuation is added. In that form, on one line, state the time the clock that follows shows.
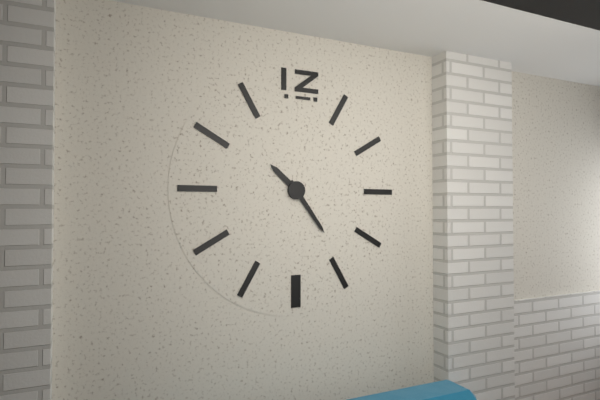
**10:24**
